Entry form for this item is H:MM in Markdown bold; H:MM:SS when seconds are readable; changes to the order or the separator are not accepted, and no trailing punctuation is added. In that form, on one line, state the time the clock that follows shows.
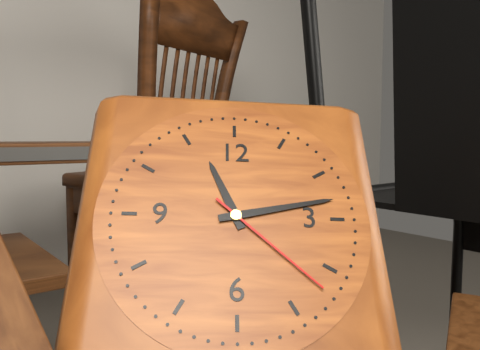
**11:13:22**
